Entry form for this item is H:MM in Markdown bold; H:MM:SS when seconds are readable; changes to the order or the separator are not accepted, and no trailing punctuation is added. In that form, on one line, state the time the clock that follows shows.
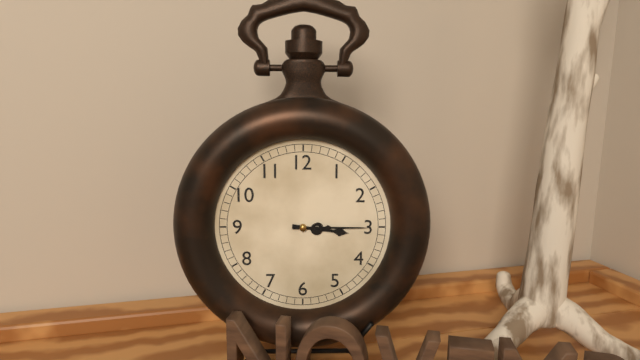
**3:15**
